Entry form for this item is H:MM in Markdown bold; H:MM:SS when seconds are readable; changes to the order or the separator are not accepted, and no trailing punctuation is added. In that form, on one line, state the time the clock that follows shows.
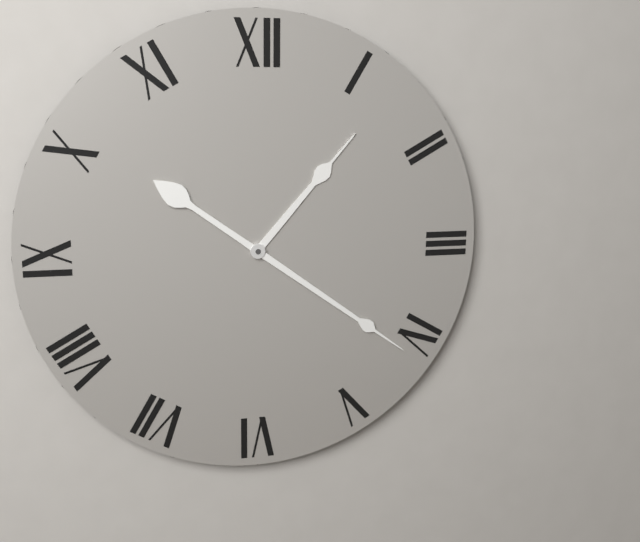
**1:21**
